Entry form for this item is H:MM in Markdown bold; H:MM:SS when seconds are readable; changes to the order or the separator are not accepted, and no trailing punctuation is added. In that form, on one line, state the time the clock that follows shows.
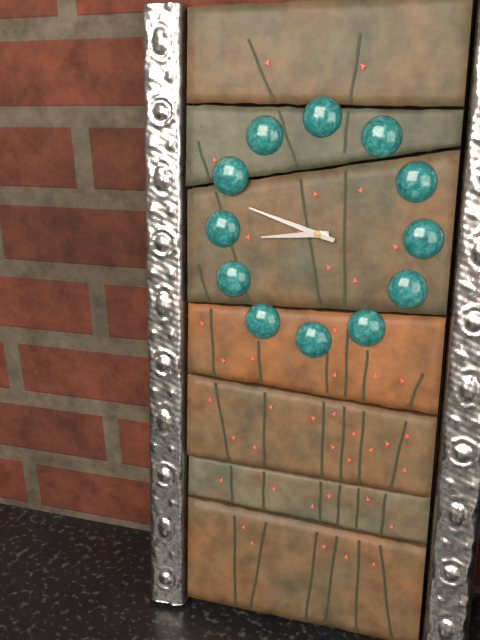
**8:48**
